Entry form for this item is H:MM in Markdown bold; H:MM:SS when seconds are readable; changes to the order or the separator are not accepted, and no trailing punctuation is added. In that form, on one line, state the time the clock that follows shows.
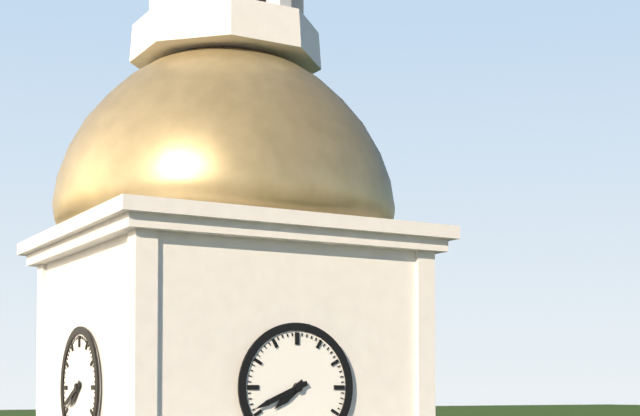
**7:41**
